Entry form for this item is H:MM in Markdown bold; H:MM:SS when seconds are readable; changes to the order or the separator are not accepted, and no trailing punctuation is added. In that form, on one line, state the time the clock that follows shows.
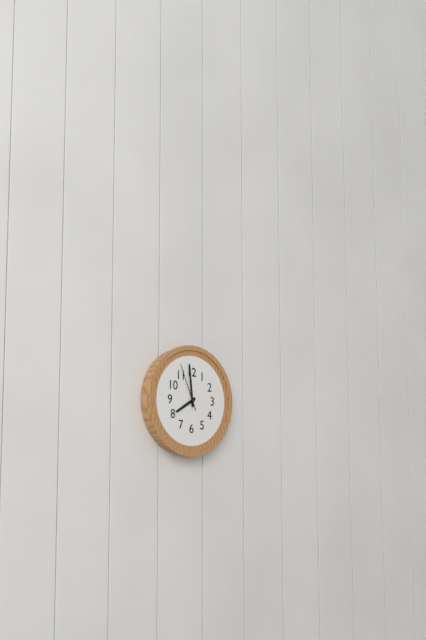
**7:59**
